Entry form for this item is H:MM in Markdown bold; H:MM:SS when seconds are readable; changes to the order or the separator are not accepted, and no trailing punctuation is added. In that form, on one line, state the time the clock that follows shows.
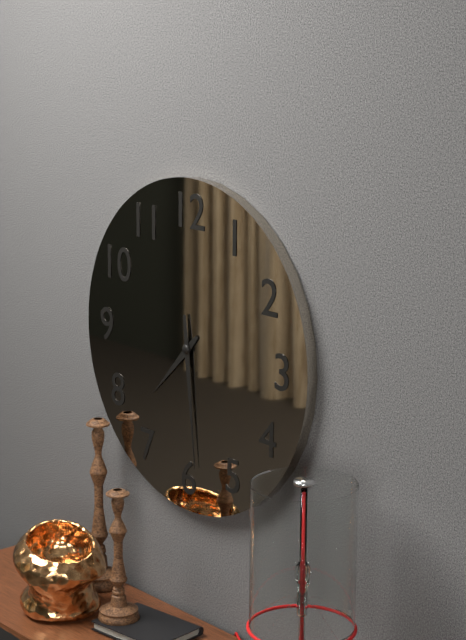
**7:29**
